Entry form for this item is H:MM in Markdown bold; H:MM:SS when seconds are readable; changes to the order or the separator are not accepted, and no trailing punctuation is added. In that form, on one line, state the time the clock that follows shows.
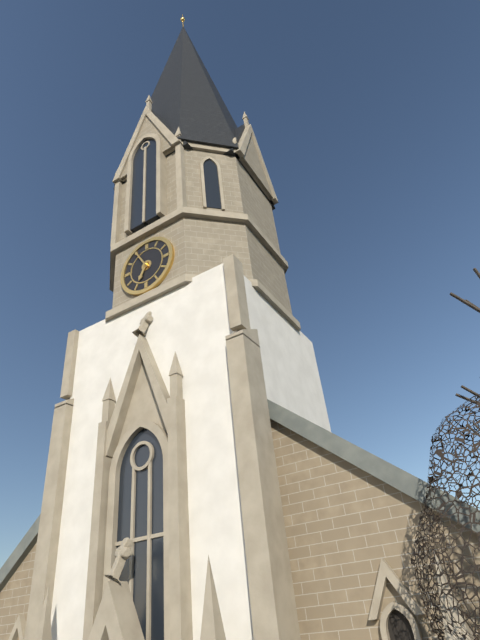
**6:55**
